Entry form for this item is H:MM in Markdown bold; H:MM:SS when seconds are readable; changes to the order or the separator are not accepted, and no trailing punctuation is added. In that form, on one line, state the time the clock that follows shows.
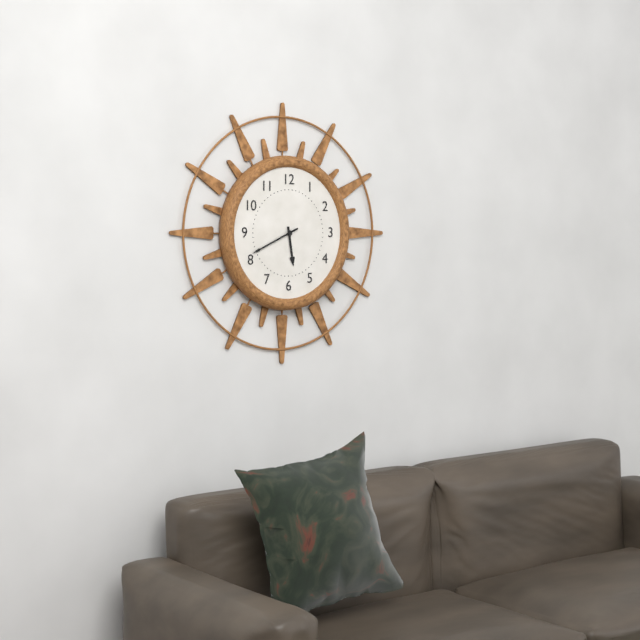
**5:41**
